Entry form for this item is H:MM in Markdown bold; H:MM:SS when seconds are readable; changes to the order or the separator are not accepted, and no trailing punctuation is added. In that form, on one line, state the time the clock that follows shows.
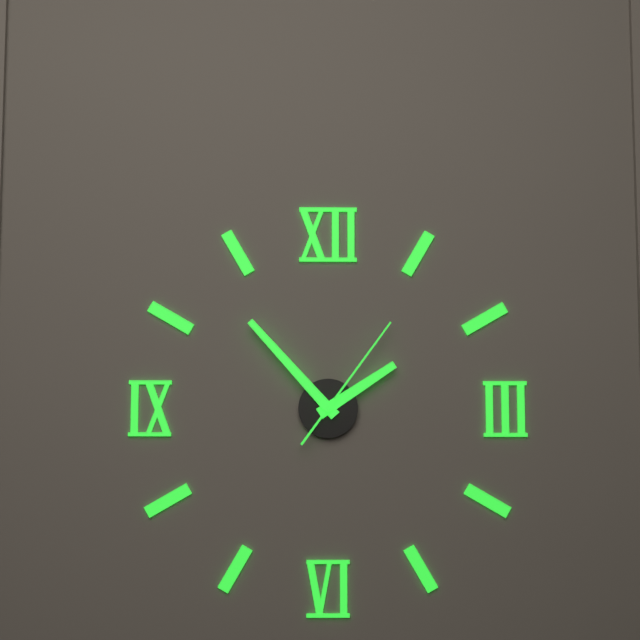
**1:53:06**
